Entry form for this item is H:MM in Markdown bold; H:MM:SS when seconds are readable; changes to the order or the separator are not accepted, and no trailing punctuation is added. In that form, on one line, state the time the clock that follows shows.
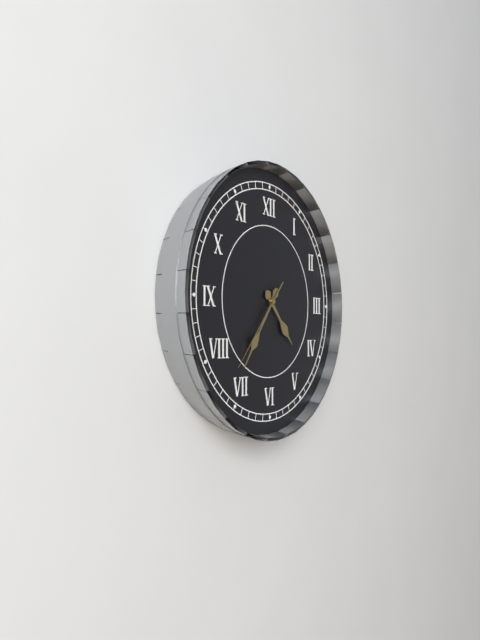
**4:36:37**
